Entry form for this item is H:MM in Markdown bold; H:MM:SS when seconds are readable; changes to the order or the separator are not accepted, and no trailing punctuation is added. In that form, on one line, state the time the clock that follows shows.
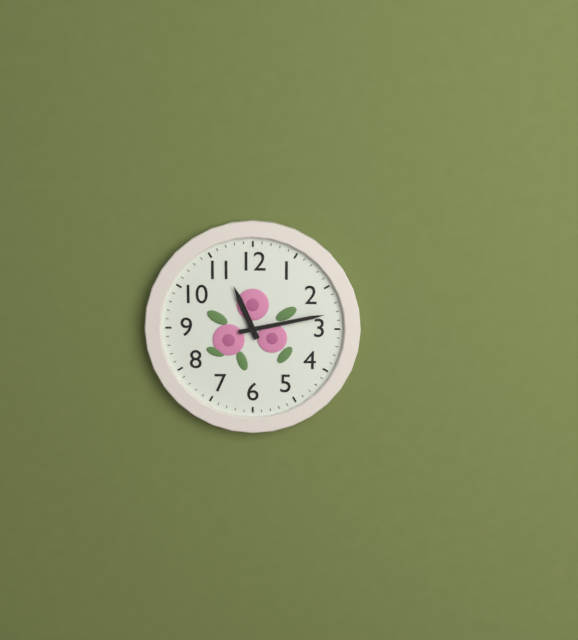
**11:13**
